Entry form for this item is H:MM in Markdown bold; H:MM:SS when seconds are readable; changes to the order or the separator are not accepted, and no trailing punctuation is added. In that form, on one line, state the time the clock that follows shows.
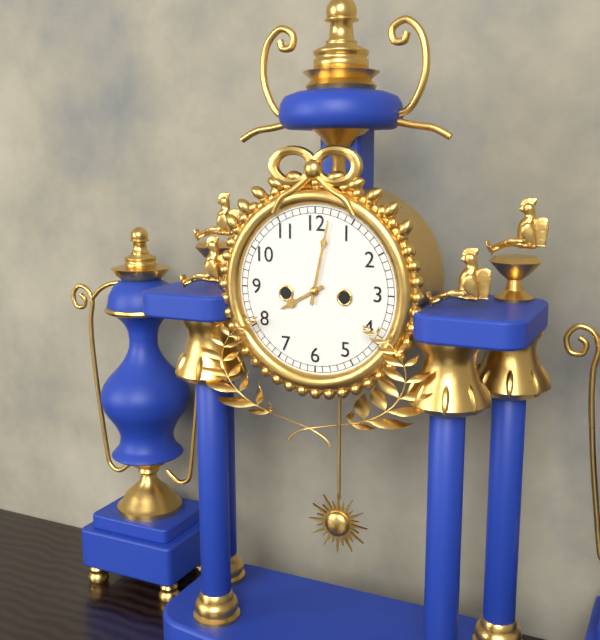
**8:02**
